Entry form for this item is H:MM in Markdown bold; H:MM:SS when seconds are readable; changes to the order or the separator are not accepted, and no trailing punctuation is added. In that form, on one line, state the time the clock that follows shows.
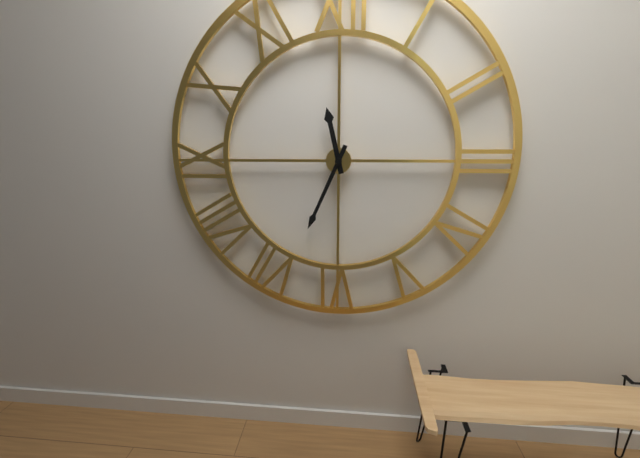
**11:34**
